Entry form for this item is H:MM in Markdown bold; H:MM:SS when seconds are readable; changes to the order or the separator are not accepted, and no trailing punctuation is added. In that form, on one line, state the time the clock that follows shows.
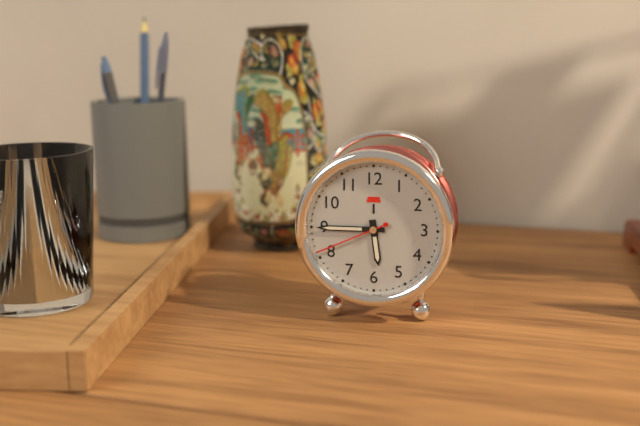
**5:45:41**
